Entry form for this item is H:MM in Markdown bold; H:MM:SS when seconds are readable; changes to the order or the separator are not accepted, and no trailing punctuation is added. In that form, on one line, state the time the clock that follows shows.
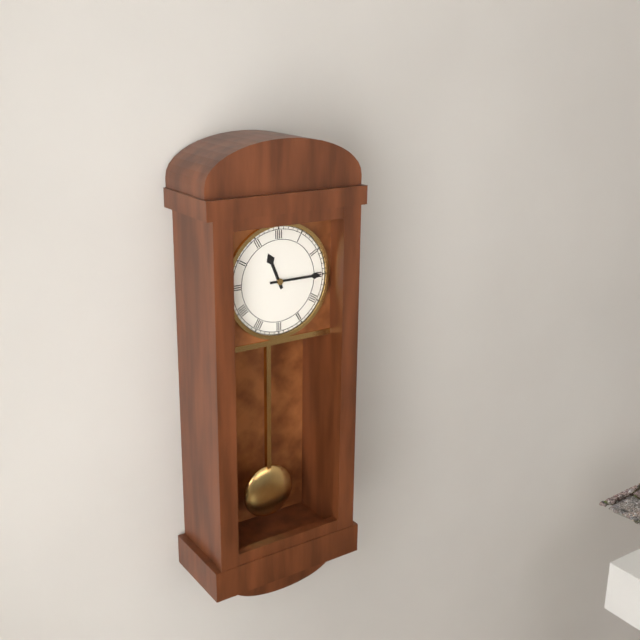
**11:15**
